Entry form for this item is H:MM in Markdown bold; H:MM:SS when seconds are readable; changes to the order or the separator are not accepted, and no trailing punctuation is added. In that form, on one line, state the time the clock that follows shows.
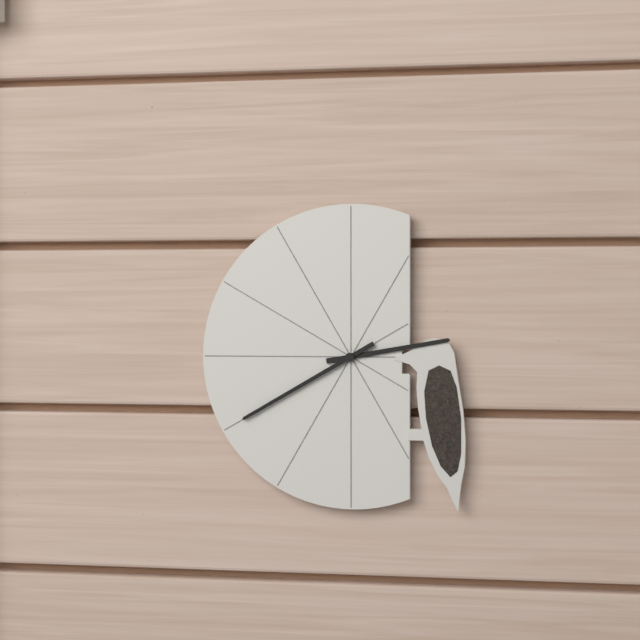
**2:40**
